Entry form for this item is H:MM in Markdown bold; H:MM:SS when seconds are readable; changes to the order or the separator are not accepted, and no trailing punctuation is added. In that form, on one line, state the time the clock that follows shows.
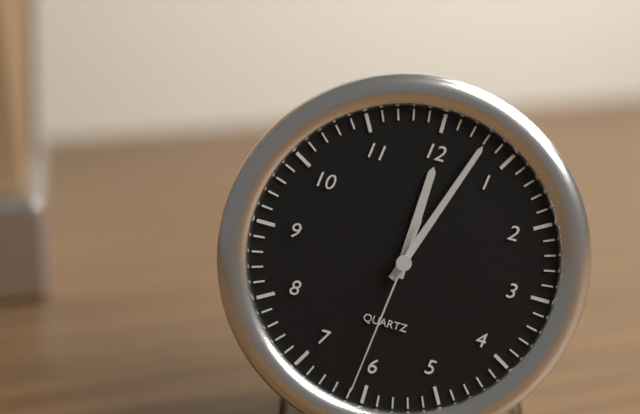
**12:03:31**
